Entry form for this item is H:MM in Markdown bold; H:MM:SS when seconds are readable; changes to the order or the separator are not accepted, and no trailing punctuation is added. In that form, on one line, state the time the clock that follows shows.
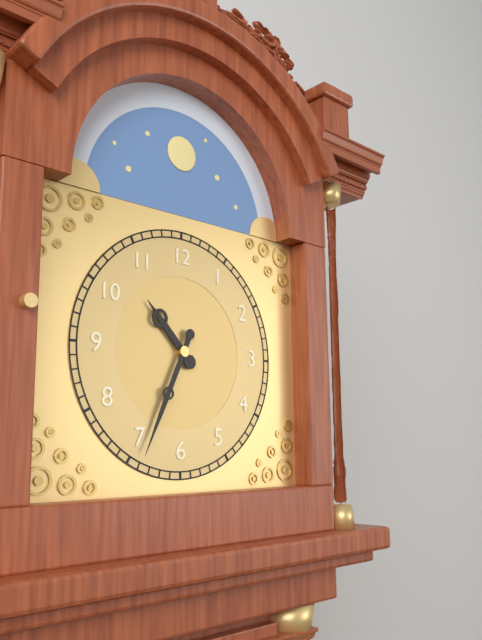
**10:34**
